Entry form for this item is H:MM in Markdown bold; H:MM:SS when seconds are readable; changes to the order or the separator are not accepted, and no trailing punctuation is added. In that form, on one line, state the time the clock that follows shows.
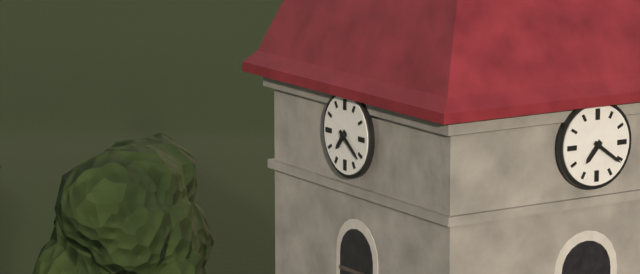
**7:21**
